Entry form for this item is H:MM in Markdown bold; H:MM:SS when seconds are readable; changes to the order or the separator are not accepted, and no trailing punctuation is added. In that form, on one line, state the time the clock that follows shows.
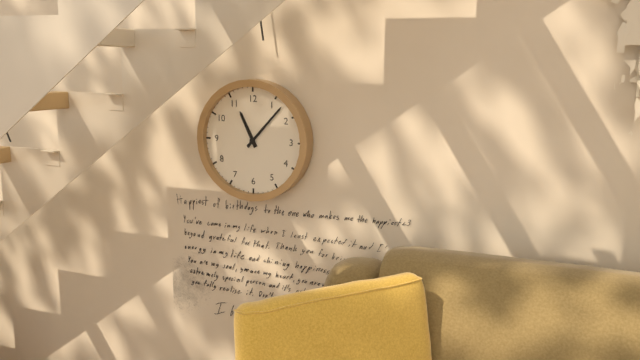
**11:07**
